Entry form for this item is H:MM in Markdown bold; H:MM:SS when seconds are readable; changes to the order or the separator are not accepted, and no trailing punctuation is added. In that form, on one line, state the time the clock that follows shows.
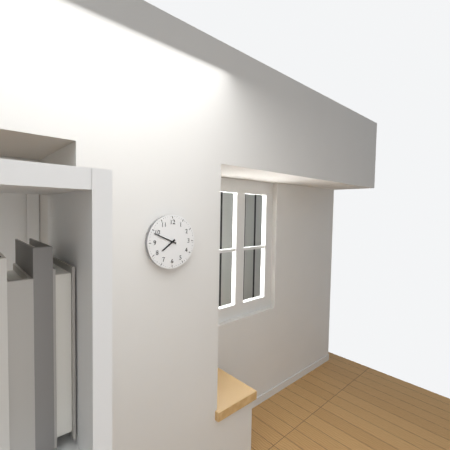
**7:49**
